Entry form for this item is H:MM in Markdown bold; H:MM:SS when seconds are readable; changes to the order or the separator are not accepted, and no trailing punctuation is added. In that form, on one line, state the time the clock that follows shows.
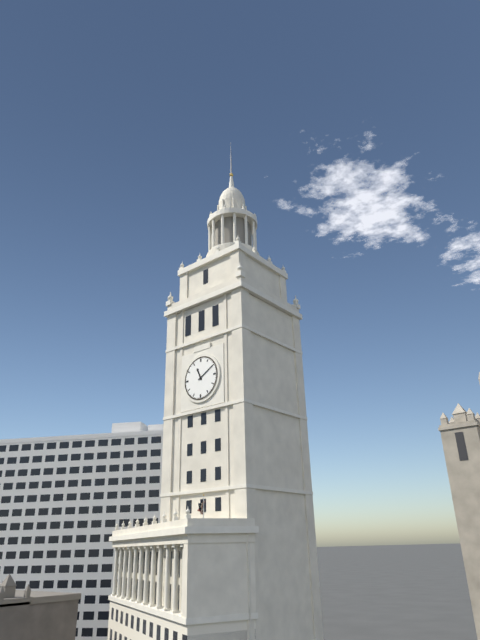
**11:10**
